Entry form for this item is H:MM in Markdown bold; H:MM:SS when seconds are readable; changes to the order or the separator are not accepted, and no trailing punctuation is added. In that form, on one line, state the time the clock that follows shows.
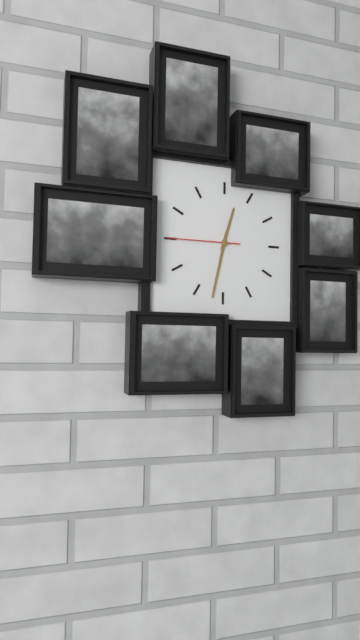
**12:32:45**
